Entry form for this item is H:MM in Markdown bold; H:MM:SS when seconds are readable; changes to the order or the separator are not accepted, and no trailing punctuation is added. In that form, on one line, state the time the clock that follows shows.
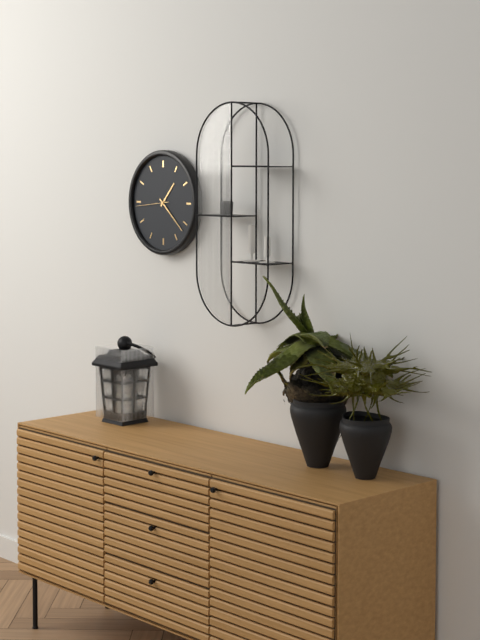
**1:22**
